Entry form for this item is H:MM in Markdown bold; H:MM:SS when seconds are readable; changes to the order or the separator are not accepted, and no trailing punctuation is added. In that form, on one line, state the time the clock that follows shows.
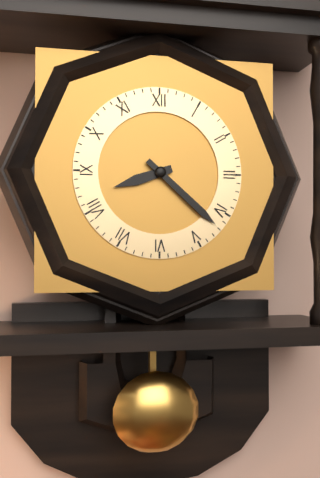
**8:22**
